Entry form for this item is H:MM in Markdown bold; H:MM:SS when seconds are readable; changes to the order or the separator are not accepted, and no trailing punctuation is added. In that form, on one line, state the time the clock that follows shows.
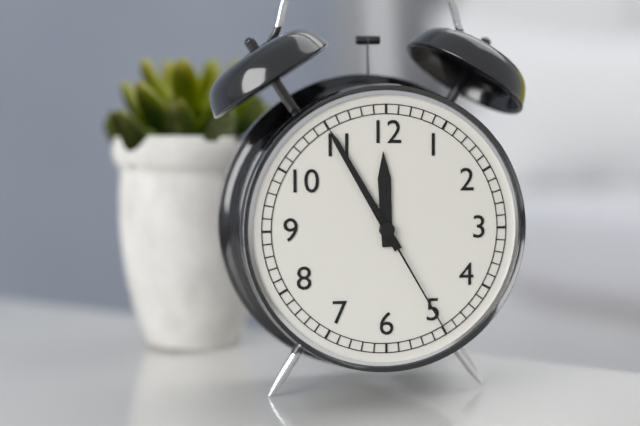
**11:55:25**
